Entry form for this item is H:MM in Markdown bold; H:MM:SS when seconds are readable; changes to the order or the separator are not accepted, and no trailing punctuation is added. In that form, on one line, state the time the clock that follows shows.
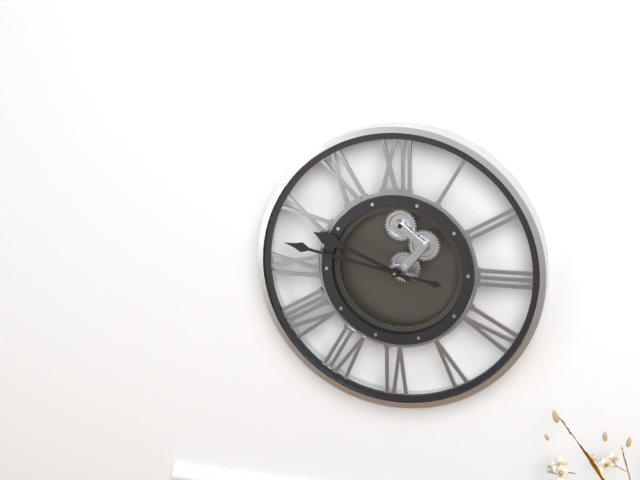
**9:47**
